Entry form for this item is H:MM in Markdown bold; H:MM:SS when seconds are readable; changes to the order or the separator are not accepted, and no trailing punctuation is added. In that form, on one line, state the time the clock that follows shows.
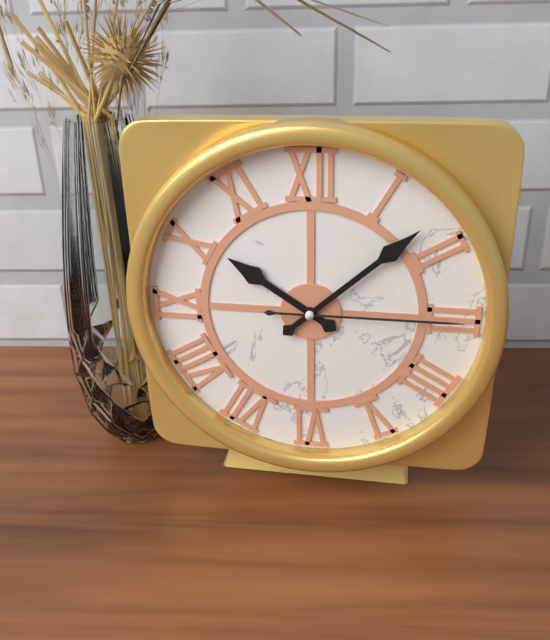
**10:08:15**
